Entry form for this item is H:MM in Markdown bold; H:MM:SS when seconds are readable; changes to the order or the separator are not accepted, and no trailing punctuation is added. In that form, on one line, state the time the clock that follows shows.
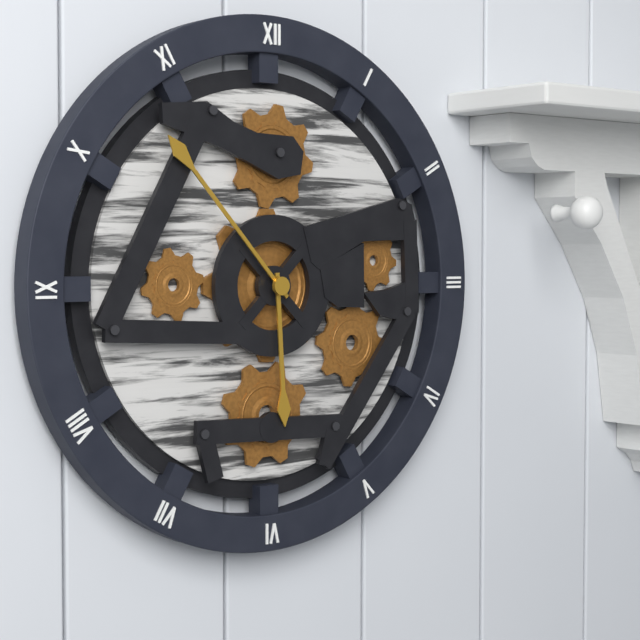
**5:53**
